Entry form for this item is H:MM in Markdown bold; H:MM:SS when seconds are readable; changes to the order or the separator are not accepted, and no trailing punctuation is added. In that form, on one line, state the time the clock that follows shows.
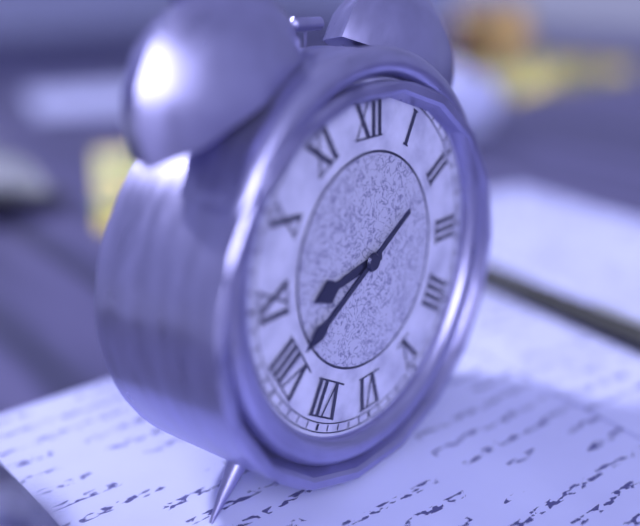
**8:40**
